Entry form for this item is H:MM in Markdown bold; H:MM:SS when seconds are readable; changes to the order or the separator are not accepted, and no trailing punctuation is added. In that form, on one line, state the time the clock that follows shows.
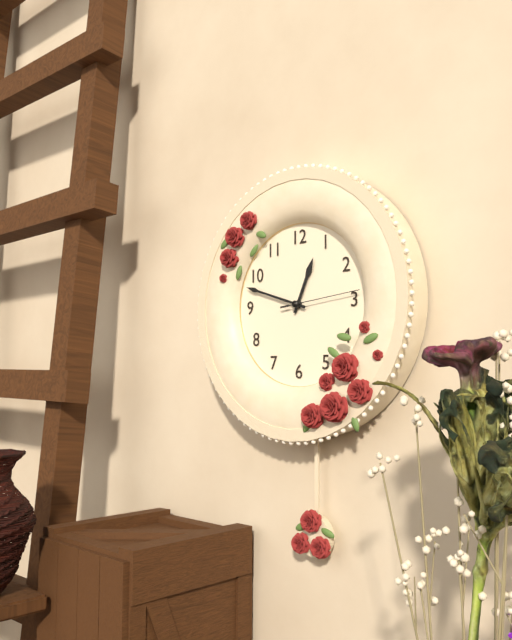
**12:48:14**
